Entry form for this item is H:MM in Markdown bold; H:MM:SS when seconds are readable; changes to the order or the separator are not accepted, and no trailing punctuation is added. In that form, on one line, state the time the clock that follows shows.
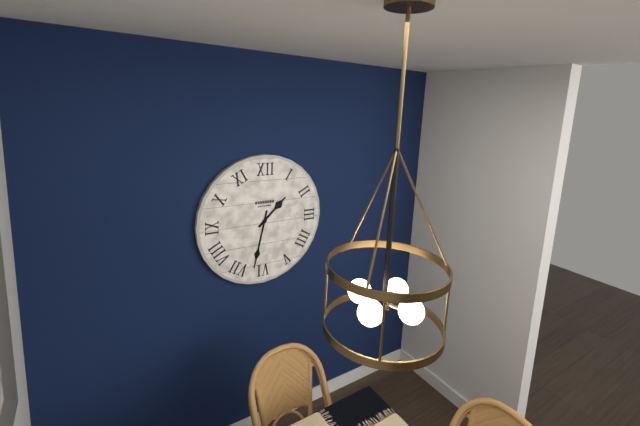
**1:32**
